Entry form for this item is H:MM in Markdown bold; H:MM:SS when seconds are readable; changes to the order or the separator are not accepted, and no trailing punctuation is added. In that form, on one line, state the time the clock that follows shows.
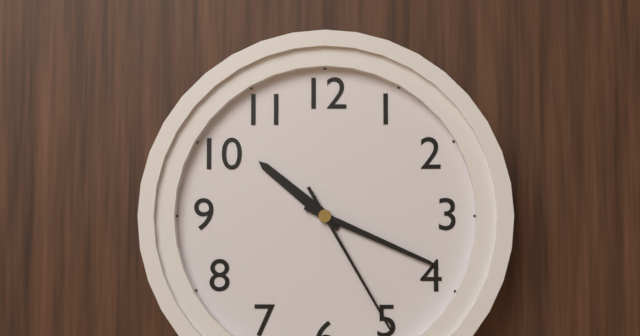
**10:19:25**
